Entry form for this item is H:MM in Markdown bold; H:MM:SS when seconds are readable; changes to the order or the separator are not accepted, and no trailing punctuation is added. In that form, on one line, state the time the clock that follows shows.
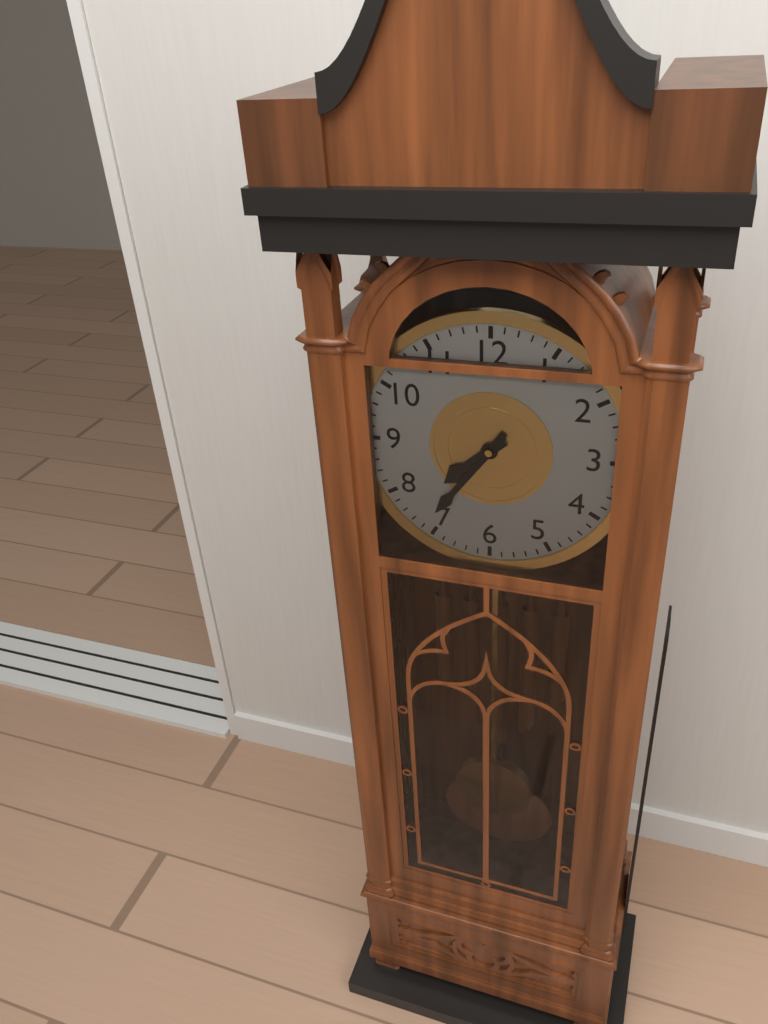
**7:36**
